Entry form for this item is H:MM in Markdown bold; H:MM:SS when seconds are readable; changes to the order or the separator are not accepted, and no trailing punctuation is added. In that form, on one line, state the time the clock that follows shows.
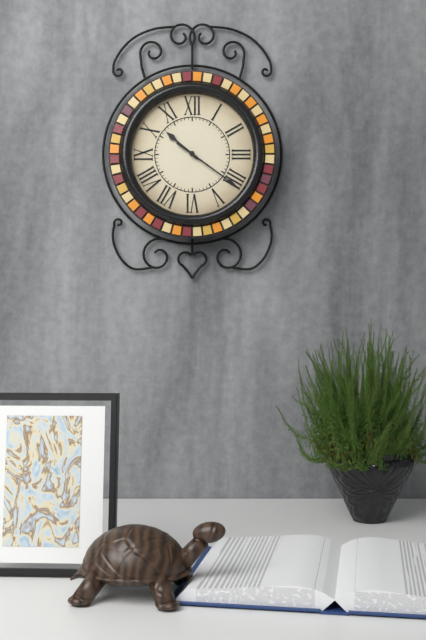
**10:21**
